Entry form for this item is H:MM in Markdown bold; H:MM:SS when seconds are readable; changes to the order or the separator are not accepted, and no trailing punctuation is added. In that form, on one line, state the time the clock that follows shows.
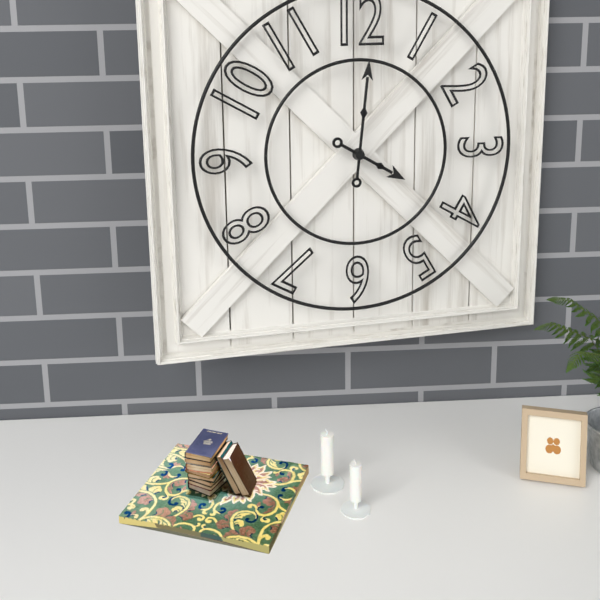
**4:01**
